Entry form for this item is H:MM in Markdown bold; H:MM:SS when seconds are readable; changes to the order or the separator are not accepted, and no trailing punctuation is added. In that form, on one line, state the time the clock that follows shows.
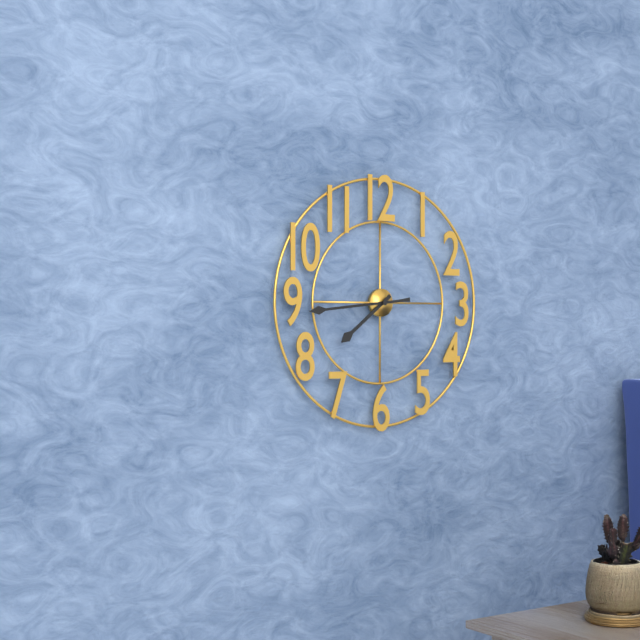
**7:44**
